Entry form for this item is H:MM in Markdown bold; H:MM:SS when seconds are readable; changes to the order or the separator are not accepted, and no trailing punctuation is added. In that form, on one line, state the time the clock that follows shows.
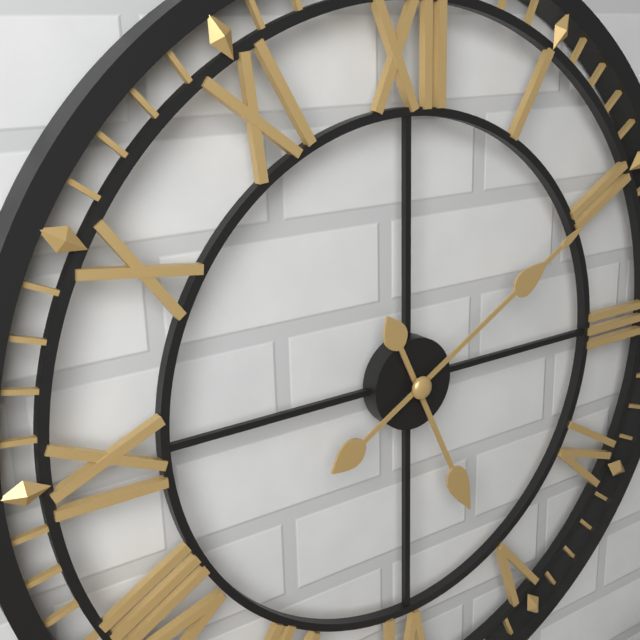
**5:10**
